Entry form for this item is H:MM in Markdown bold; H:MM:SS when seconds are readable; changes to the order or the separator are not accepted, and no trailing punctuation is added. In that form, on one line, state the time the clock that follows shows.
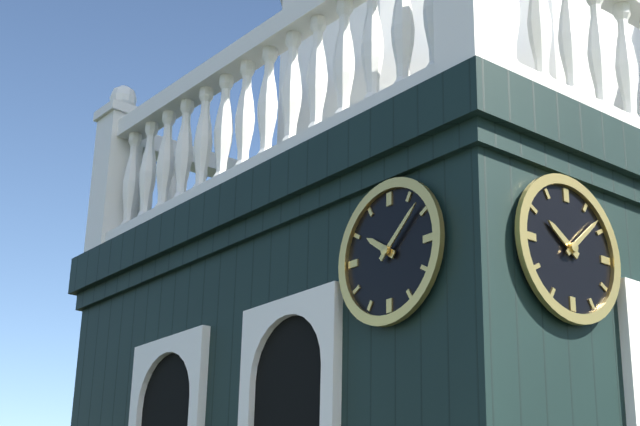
**10:08**
